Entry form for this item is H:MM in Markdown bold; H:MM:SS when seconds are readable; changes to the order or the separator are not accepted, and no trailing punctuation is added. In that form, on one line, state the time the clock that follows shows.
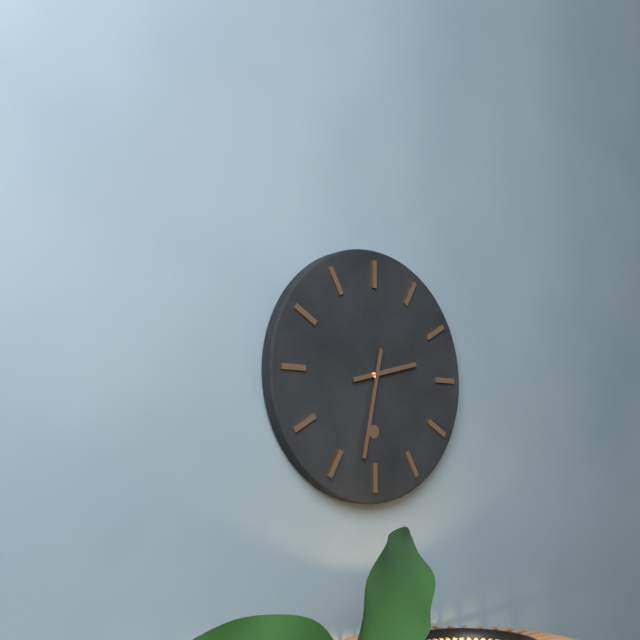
**2:32**
